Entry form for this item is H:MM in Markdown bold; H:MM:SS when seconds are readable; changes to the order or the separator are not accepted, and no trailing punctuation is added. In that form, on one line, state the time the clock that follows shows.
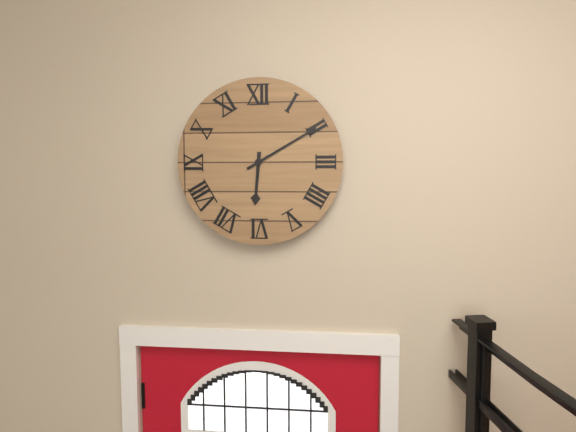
**6:10**
